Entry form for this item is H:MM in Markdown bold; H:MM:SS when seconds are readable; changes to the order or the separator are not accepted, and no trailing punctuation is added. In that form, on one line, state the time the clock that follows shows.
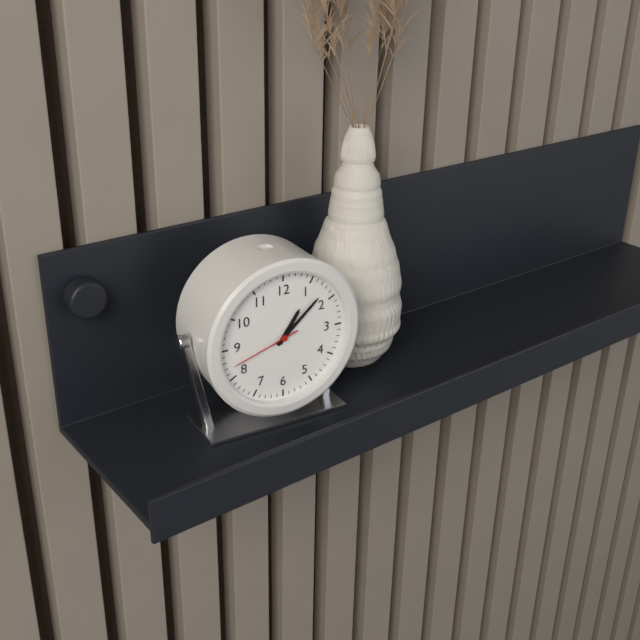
**1:08:42**
